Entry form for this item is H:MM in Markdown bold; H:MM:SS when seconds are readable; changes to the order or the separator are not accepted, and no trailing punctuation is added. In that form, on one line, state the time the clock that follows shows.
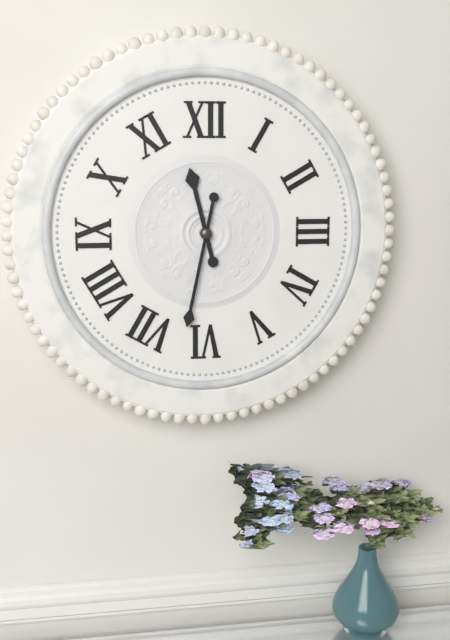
**11:32**
